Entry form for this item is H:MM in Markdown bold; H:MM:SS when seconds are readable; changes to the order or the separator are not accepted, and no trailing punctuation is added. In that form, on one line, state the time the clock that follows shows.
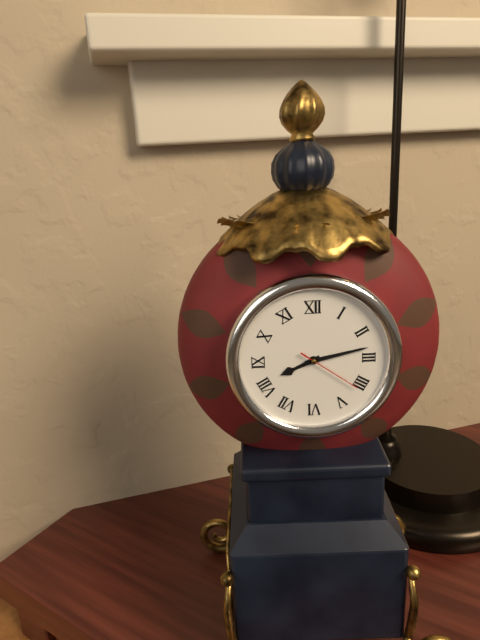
**8:13:21**
